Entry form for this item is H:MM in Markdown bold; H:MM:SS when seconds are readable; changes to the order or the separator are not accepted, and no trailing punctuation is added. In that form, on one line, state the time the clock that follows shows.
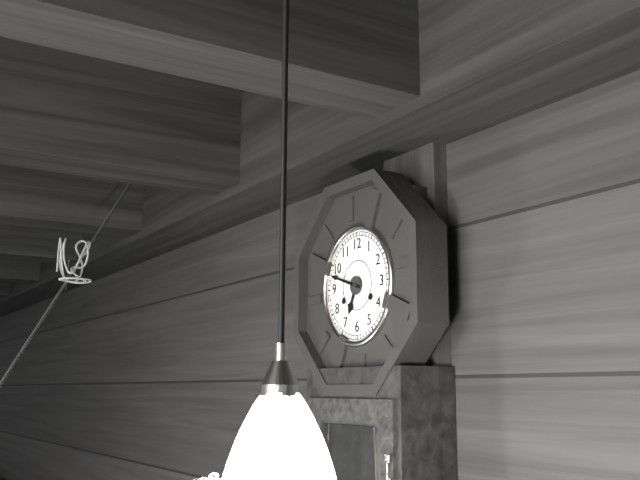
**6:48**
